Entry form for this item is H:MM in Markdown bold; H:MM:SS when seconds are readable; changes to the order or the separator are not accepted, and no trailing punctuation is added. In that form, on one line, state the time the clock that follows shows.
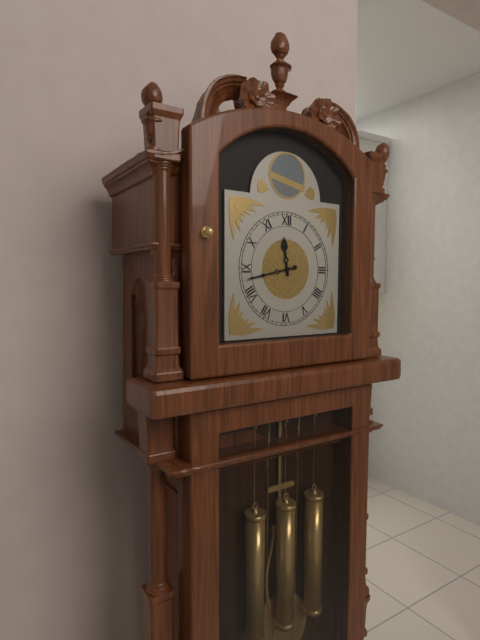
**11:43**
